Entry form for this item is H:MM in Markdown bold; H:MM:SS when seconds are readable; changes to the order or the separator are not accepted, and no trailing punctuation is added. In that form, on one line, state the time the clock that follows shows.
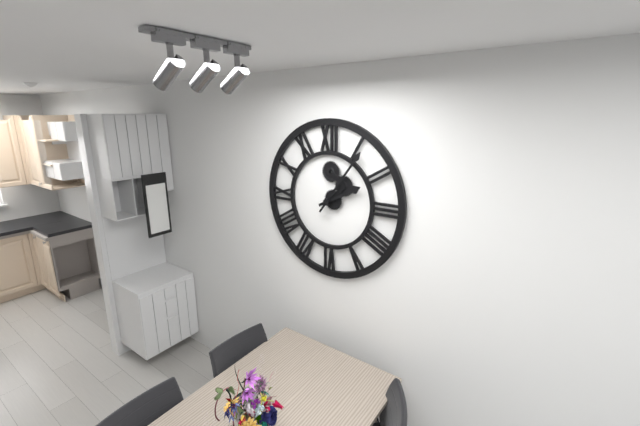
**2:06**
